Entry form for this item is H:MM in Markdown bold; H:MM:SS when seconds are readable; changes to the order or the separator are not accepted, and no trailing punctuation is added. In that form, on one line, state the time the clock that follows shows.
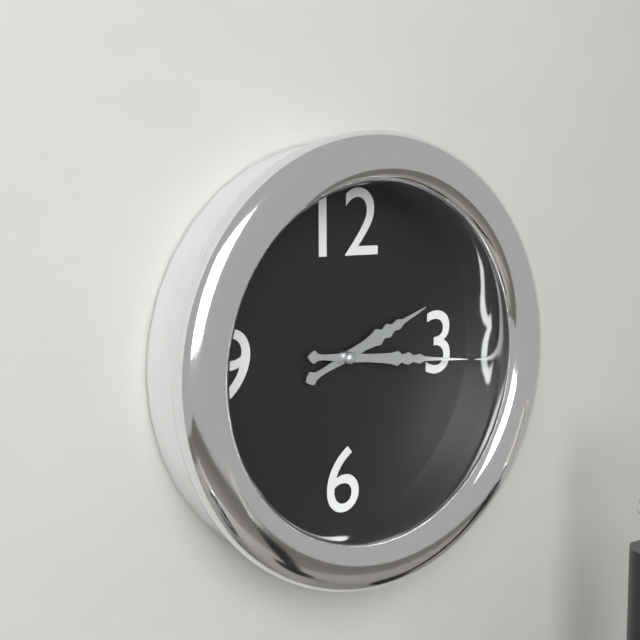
**2:16**
